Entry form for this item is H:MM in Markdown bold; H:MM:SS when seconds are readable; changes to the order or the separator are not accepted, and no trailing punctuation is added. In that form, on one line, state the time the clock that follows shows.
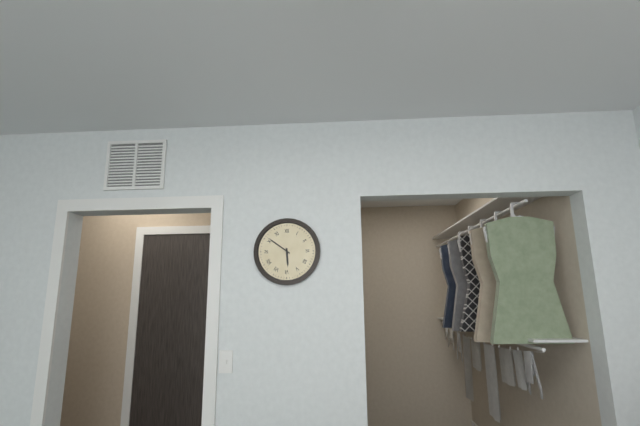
**5:51**
